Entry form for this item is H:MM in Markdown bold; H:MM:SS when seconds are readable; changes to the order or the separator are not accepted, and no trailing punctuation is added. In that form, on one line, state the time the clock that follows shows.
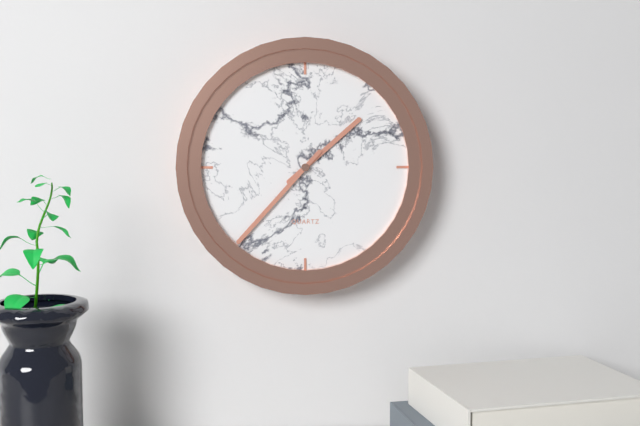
**1:37**
